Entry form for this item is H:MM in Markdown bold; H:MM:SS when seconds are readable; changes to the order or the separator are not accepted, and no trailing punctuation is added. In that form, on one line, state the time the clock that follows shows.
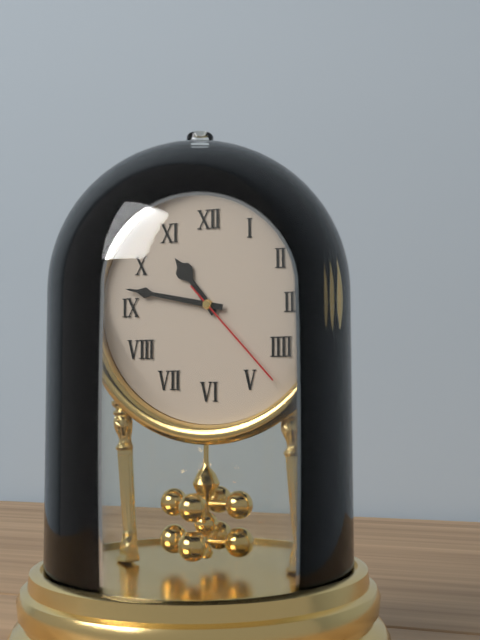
**10:47:23**
